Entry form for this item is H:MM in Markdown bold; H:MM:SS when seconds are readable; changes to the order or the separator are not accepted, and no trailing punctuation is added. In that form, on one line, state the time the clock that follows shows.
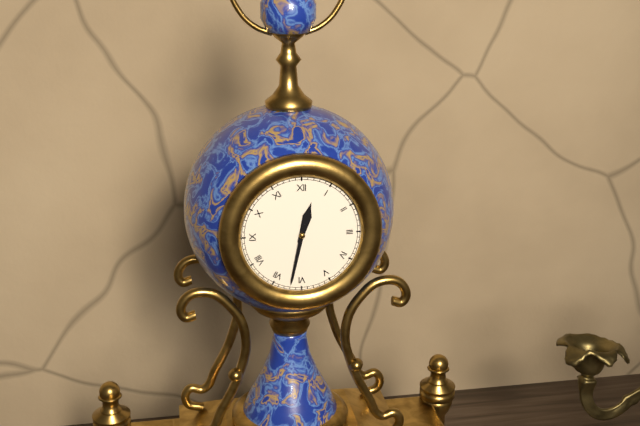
**12:32**
